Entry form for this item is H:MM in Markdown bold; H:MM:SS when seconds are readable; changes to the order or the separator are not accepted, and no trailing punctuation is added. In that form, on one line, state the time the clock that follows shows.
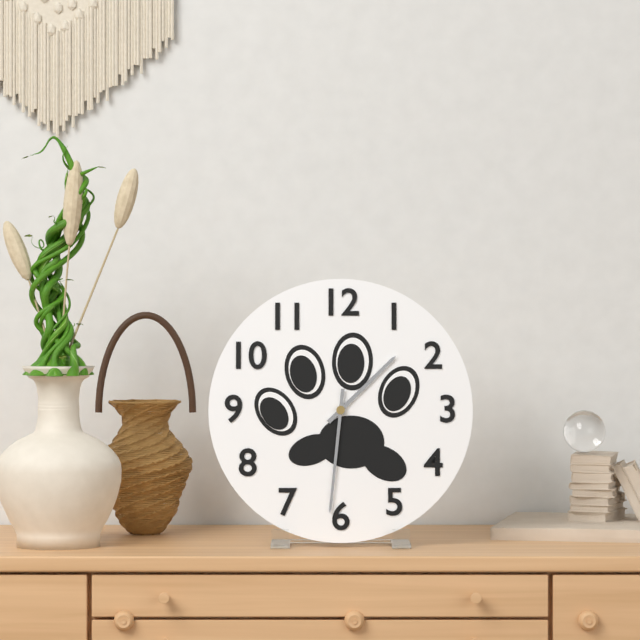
**1:31**
